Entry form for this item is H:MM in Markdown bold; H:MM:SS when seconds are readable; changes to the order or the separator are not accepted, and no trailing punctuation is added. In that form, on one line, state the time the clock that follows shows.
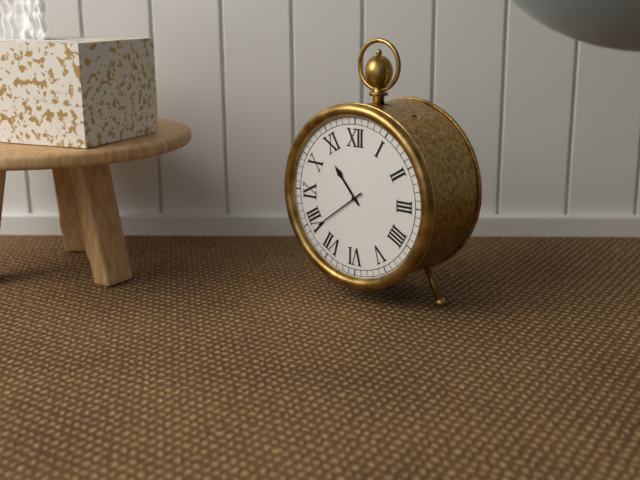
**10:39**
